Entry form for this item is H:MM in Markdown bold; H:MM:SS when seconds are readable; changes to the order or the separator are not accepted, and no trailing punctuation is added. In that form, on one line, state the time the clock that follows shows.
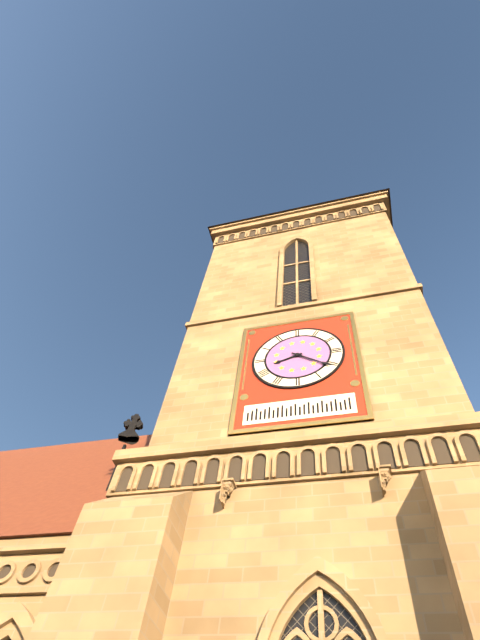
**8:21**
